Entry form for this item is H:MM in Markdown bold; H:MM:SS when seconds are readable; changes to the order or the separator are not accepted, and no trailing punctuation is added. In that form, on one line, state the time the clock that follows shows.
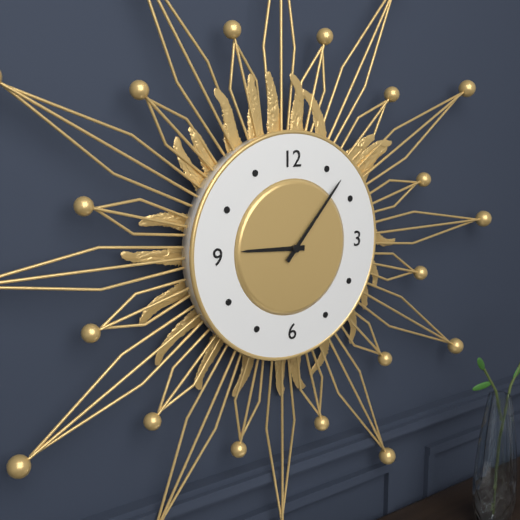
**9:07**
